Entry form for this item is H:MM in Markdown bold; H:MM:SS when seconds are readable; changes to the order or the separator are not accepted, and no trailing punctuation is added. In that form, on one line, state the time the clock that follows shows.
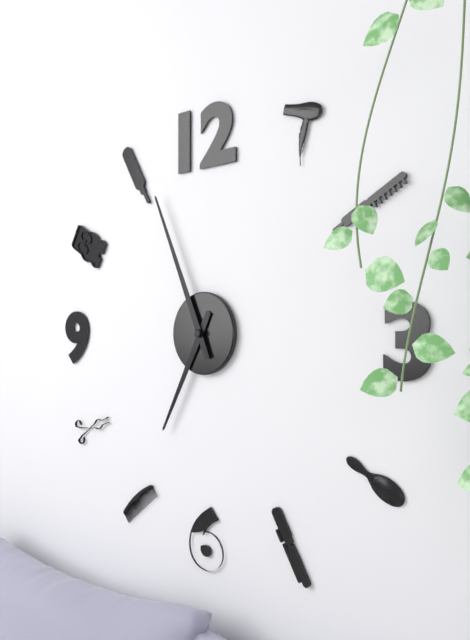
**6:56**
